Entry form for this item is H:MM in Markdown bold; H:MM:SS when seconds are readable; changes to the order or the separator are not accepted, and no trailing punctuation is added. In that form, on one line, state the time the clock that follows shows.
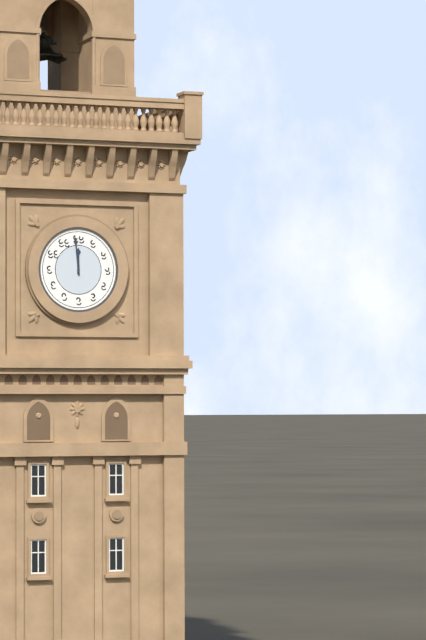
**11:59**
